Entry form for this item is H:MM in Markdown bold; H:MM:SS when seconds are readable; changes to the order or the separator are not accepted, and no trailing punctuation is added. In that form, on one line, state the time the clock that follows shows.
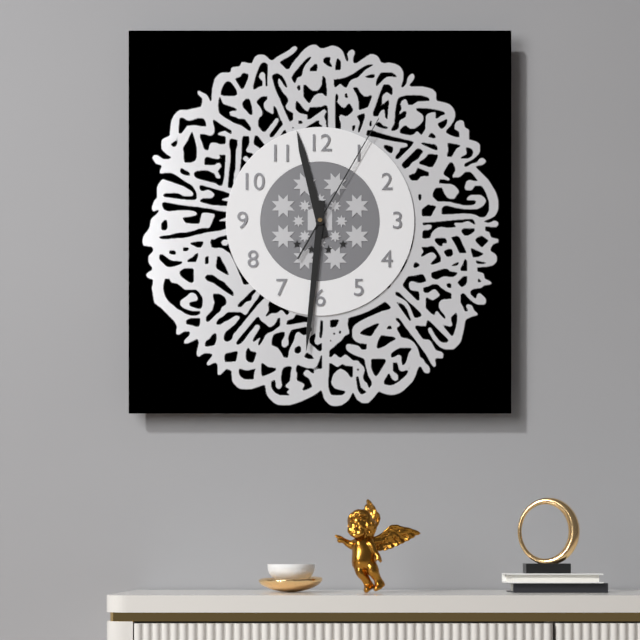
**11:31:05**
